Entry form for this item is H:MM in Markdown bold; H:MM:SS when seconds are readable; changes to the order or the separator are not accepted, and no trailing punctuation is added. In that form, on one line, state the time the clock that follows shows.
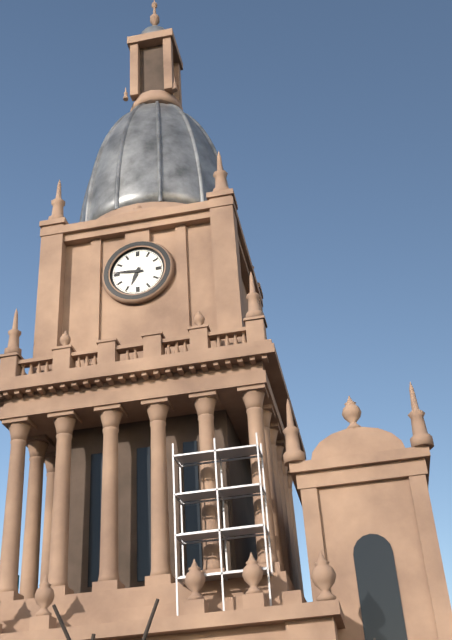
**6:46**
